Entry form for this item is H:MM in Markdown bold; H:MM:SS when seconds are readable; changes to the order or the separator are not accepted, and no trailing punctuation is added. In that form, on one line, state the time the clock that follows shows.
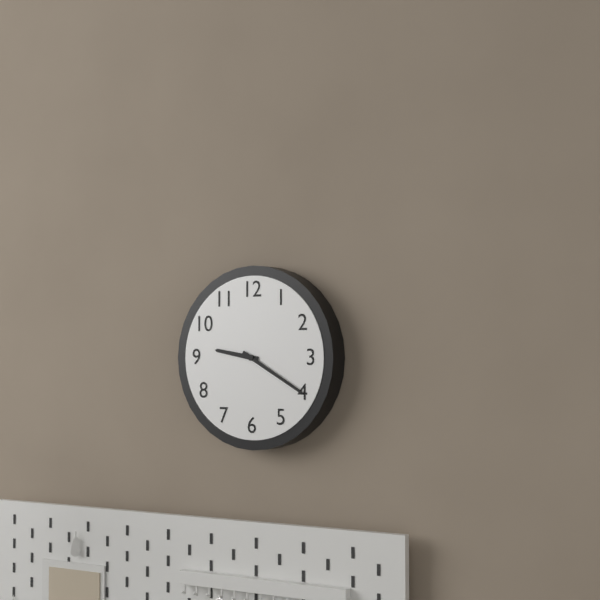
**9:20**
